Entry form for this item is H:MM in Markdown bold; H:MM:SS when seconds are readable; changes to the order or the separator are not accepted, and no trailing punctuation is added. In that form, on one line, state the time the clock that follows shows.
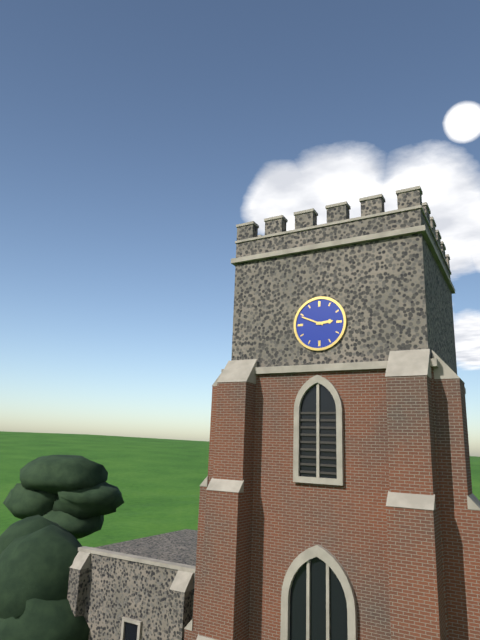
**2:49**
